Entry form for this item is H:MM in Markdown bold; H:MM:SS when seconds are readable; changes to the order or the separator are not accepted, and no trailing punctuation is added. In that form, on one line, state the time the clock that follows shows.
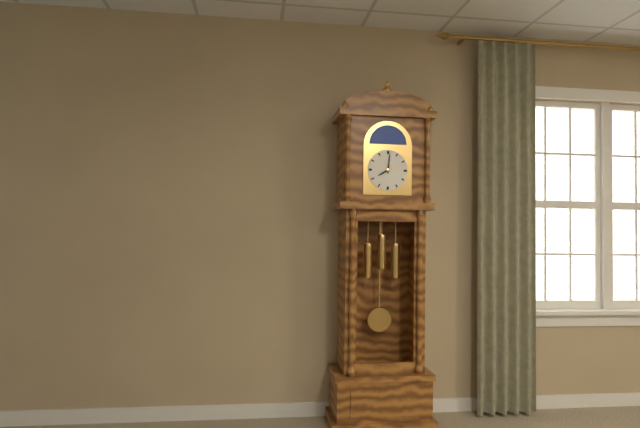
**8:01**
